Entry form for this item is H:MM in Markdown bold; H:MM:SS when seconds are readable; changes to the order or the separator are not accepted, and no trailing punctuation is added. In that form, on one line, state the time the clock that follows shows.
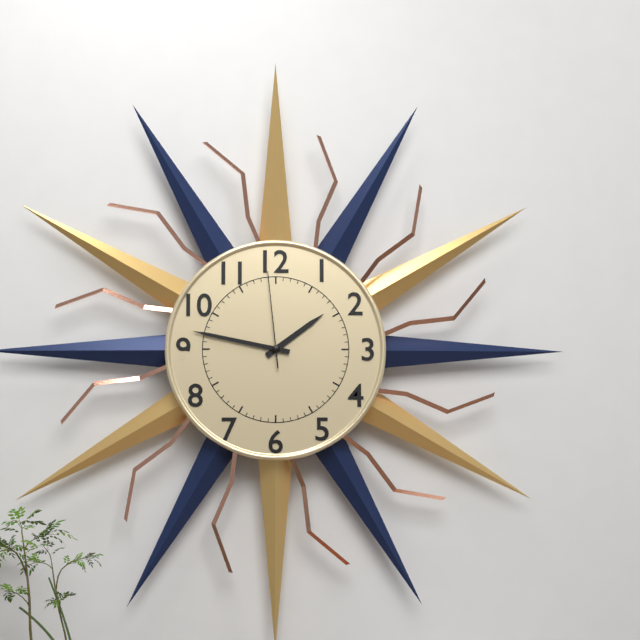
**1:47:59**
